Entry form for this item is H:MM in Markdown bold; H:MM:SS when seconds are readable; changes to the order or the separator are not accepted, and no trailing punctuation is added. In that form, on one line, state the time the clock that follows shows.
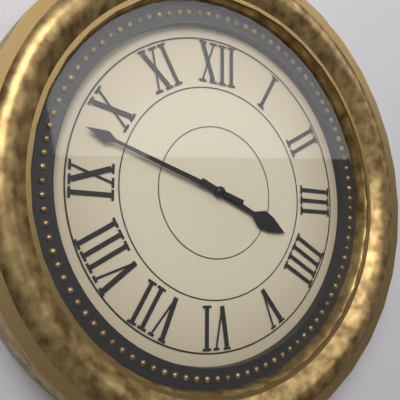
**3:48**
